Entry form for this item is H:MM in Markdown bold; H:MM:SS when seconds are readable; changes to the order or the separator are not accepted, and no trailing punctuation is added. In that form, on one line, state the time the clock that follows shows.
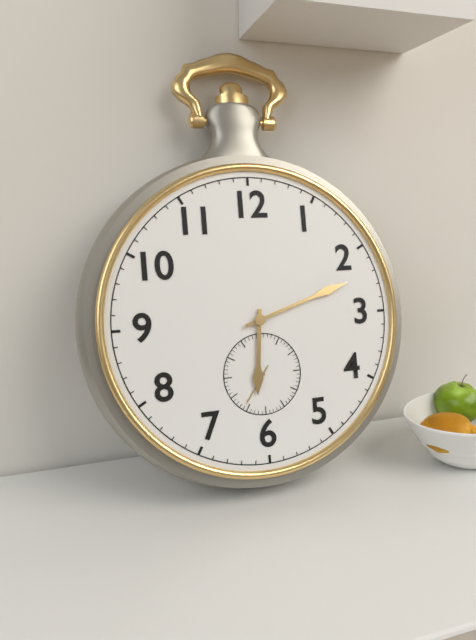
**6:12**
